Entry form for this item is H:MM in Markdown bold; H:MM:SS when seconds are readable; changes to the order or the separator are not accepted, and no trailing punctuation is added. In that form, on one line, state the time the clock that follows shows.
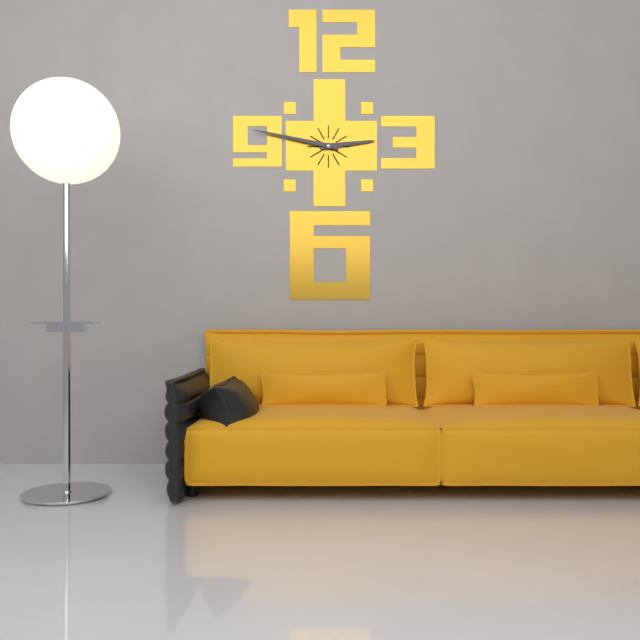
**2:47**
